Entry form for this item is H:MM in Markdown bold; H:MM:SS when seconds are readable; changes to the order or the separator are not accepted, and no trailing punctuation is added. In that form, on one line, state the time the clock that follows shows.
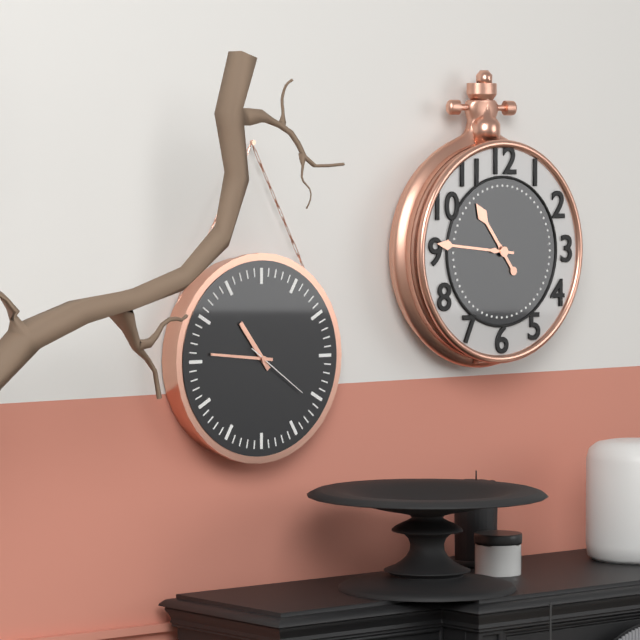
**10:46:21**
